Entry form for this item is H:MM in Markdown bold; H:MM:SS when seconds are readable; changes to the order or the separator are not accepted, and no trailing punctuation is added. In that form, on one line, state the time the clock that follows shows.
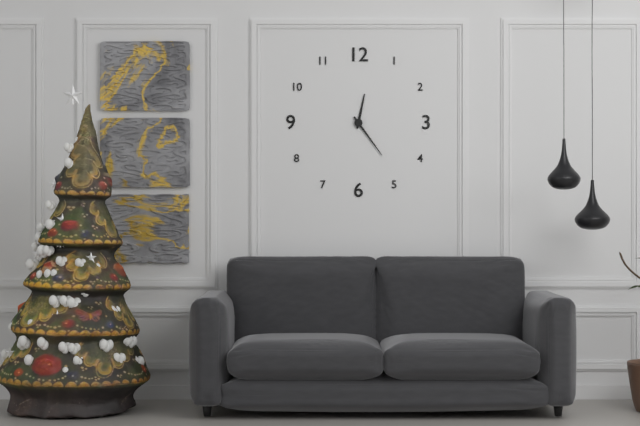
**12:24**
